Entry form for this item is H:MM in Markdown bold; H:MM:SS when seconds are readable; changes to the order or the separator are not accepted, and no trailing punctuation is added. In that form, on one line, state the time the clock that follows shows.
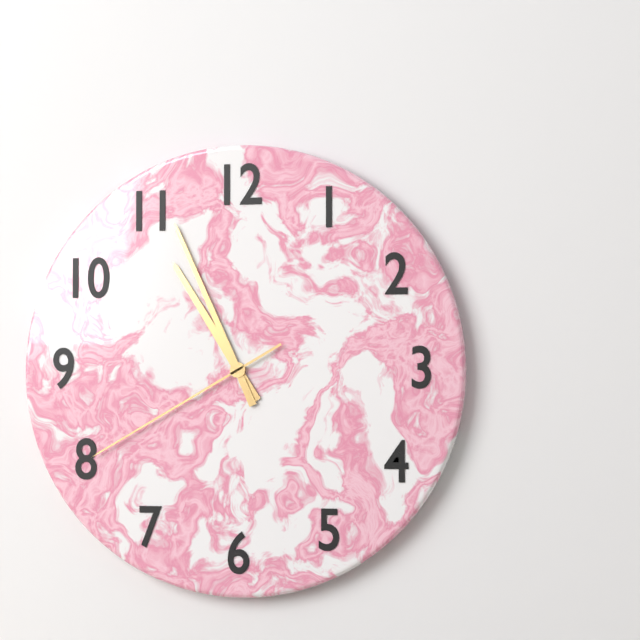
**10:56:40**
